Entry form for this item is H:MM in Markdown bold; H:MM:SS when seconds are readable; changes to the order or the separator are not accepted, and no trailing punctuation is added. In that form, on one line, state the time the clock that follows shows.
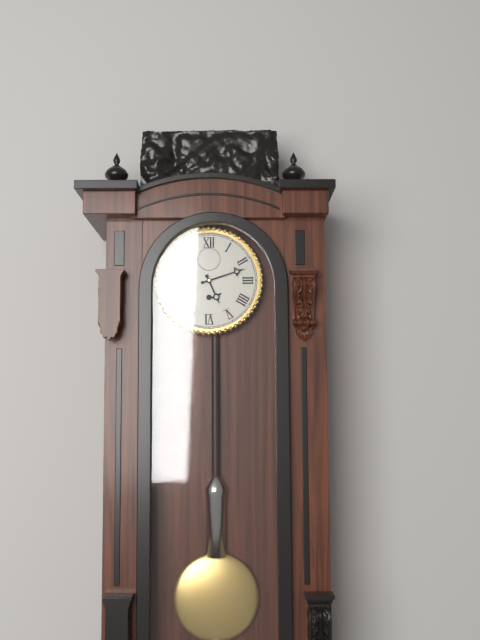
**5:12**
